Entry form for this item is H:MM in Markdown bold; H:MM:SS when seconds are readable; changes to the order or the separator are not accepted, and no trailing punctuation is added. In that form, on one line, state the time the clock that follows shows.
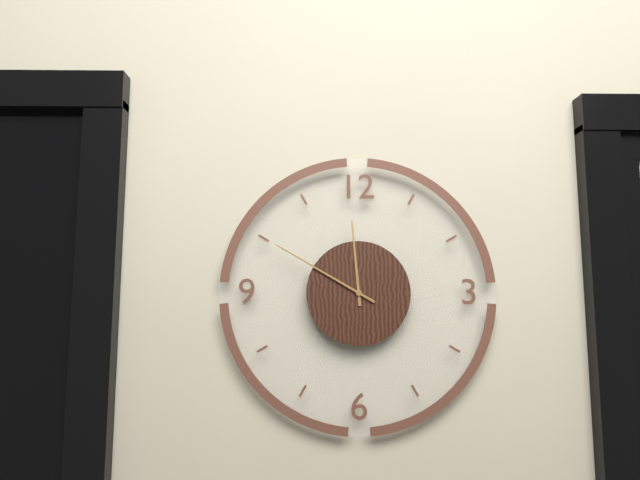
**11:50**
